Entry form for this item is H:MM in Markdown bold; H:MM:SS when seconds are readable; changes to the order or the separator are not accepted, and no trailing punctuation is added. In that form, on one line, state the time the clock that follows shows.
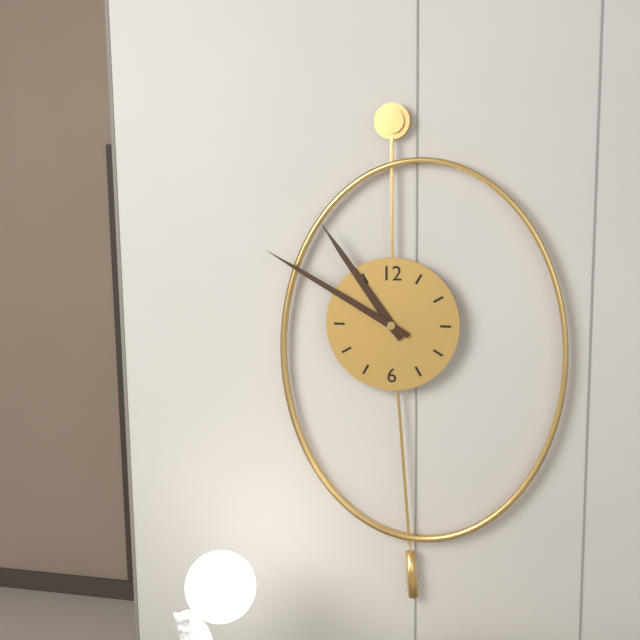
**10:50**
